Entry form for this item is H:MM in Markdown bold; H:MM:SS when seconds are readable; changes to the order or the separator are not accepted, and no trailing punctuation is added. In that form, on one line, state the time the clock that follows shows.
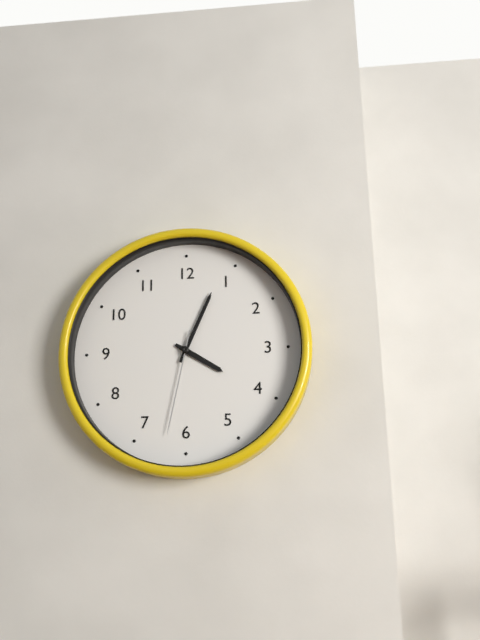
**4:04:32**
